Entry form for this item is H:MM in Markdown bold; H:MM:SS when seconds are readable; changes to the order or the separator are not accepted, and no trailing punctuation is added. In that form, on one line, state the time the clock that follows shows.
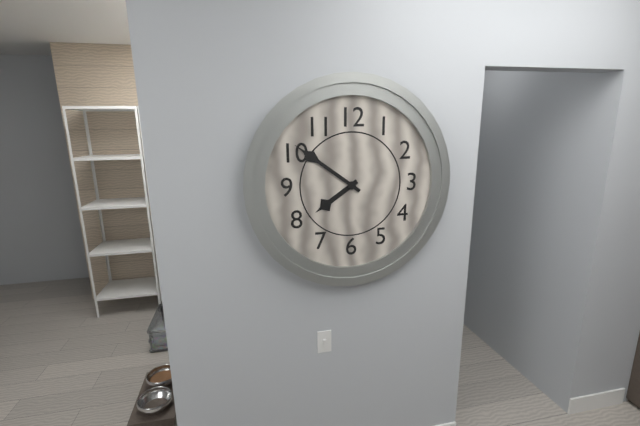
**7:51**
